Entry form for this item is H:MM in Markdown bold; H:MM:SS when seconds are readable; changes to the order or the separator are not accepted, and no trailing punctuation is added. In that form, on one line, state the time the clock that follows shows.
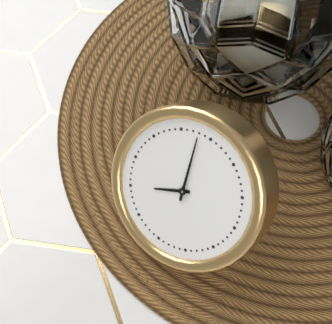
**7:58**
